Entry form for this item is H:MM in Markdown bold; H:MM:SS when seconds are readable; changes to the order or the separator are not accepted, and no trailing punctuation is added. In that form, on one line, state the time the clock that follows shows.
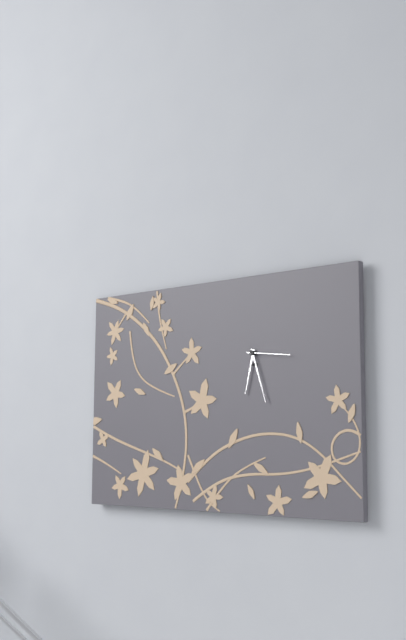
**6:27**
